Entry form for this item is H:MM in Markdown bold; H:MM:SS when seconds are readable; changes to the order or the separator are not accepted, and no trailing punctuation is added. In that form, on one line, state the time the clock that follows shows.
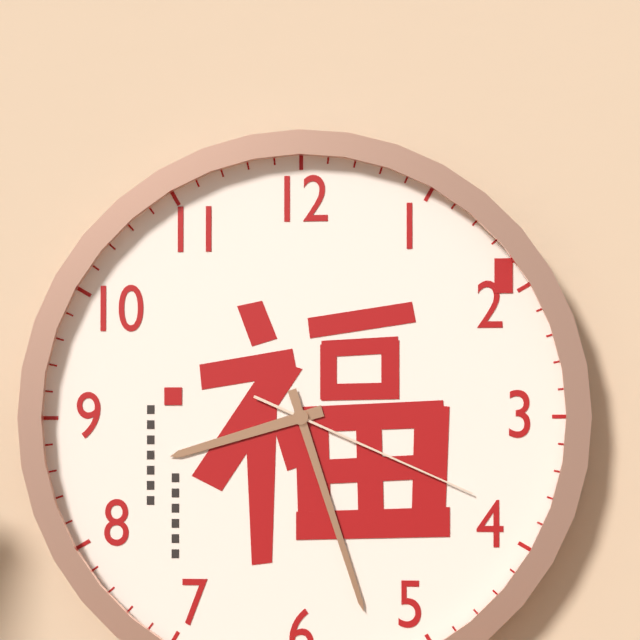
**8:27:19**
